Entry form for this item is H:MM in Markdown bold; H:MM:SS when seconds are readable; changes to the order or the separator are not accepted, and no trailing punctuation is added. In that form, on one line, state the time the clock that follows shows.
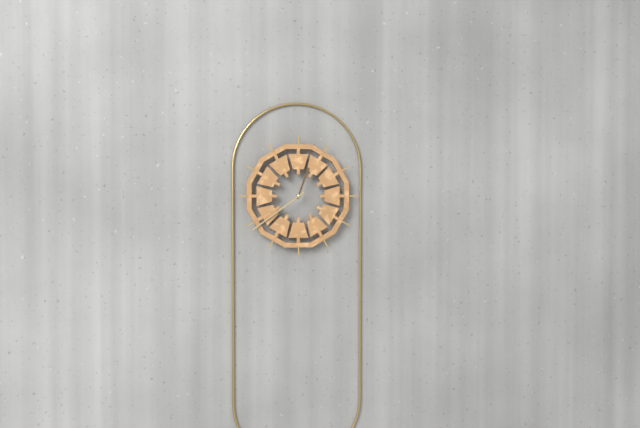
**12:39**
